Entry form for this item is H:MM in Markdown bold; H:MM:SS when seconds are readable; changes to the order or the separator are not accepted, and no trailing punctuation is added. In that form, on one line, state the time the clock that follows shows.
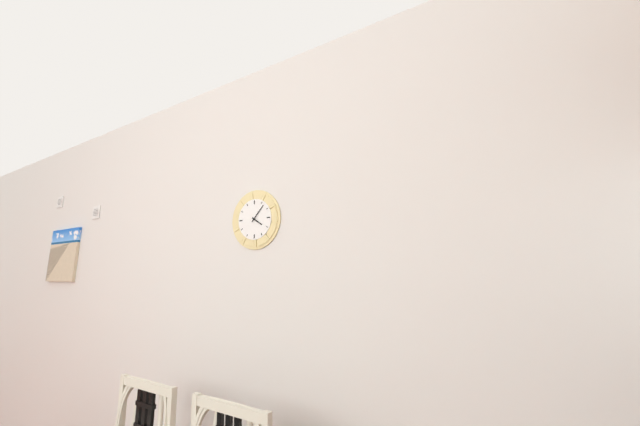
**4:07**
